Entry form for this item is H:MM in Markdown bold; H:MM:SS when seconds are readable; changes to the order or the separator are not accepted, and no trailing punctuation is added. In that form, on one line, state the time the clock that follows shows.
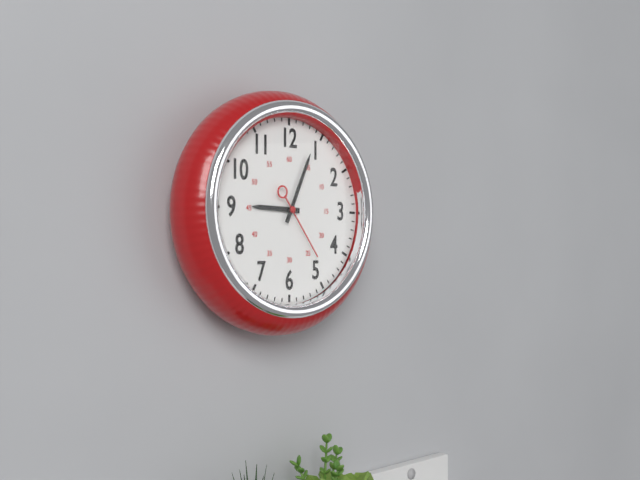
**9:04:24**
